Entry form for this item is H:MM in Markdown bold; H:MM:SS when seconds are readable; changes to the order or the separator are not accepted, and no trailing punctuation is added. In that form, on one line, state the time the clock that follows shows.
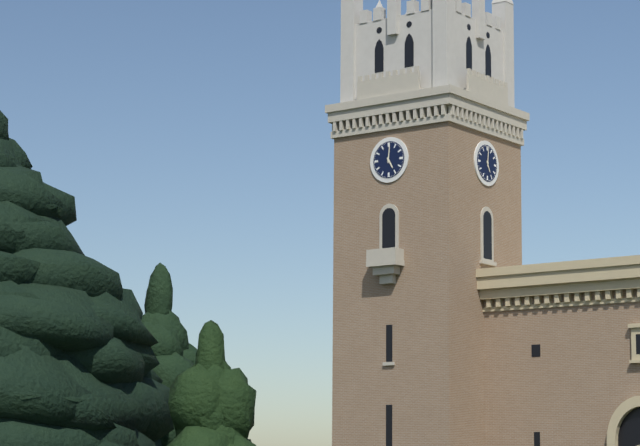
**5:01**
